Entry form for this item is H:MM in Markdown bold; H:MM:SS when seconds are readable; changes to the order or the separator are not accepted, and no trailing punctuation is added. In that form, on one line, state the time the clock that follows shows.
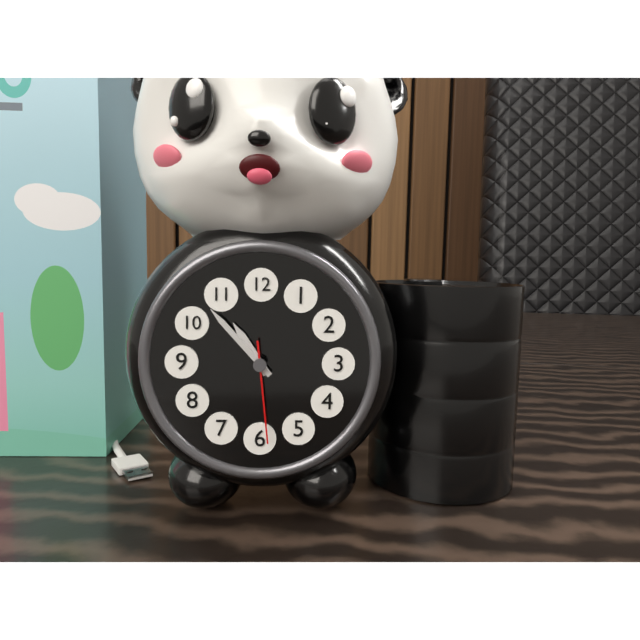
**10:53:29**
